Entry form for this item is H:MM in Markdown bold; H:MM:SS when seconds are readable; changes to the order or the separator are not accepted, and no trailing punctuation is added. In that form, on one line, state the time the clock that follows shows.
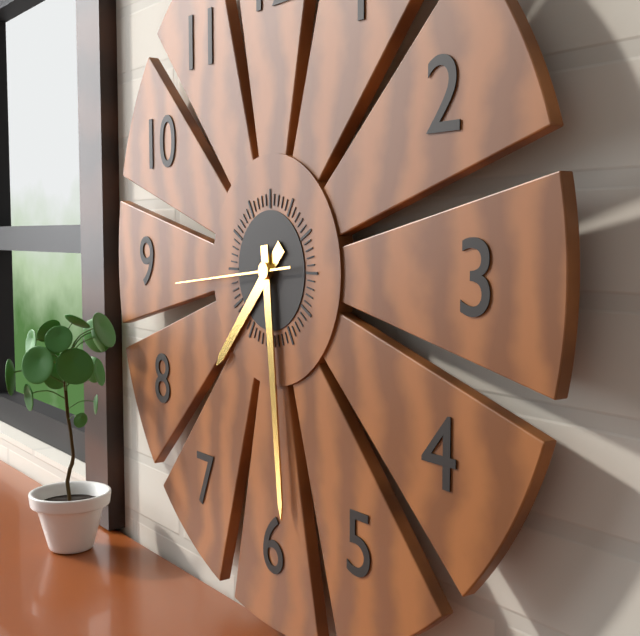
**7:29:44**
